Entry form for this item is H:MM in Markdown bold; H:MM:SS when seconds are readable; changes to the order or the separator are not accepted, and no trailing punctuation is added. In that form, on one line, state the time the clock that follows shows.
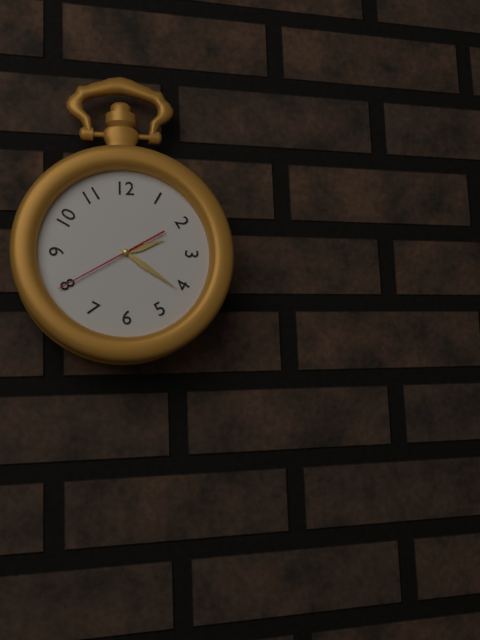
**2:21:40**
